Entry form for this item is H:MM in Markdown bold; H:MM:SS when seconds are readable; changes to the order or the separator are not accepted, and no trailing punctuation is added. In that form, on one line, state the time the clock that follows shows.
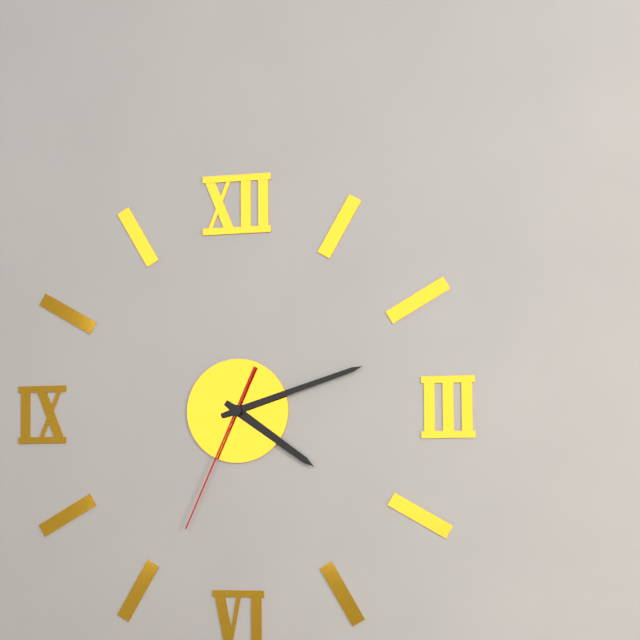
**4:12:34**
